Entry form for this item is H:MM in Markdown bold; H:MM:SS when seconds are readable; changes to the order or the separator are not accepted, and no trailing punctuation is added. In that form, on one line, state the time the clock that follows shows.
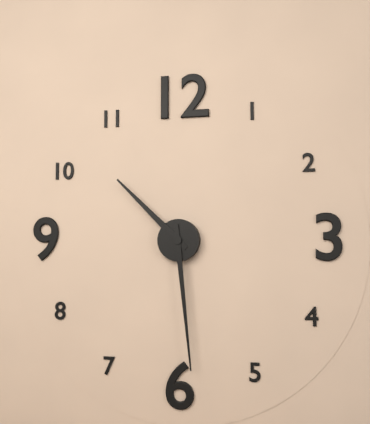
**10:29**
